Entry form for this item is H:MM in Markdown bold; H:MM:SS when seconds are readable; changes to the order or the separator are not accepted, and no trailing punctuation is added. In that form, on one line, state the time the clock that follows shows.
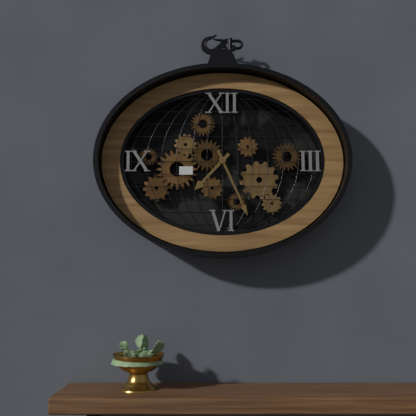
**7:26**
